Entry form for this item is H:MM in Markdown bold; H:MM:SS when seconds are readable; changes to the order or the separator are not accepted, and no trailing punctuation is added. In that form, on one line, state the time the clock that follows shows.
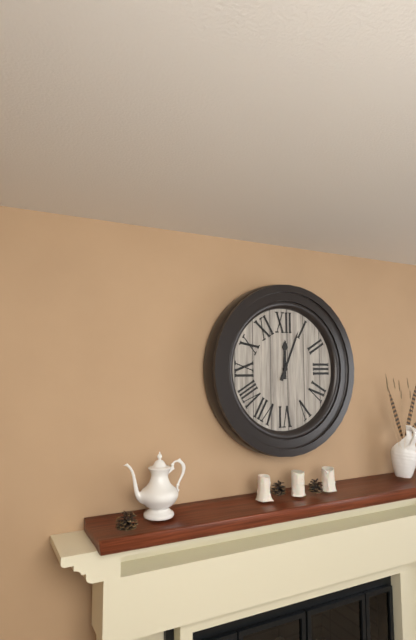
**12:04**
